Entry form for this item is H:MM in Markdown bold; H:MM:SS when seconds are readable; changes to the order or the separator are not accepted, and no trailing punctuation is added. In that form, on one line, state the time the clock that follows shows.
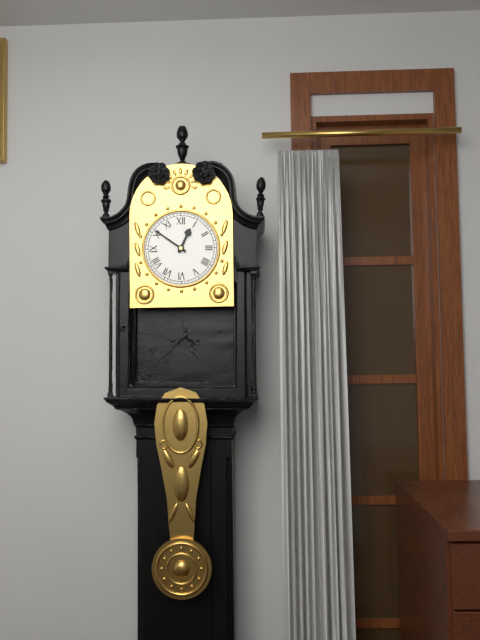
**12:51**
